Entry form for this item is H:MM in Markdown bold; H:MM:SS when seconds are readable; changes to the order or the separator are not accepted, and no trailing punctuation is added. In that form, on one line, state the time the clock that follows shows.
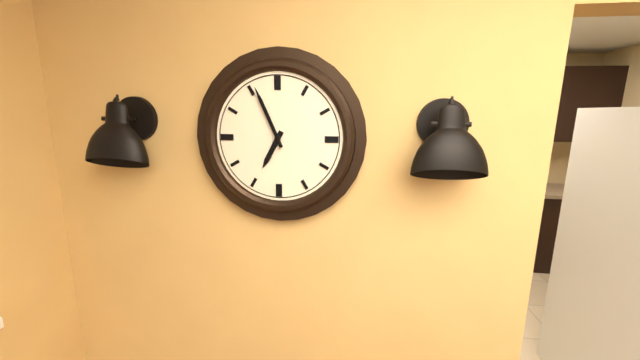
**6:56**
